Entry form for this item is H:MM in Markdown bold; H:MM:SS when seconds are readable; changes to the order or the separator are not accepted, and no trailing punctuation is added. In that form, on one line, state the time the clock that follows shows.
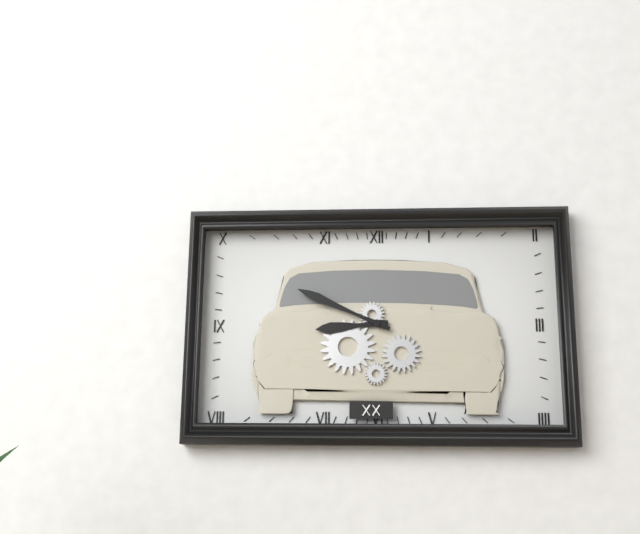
**8:49**
